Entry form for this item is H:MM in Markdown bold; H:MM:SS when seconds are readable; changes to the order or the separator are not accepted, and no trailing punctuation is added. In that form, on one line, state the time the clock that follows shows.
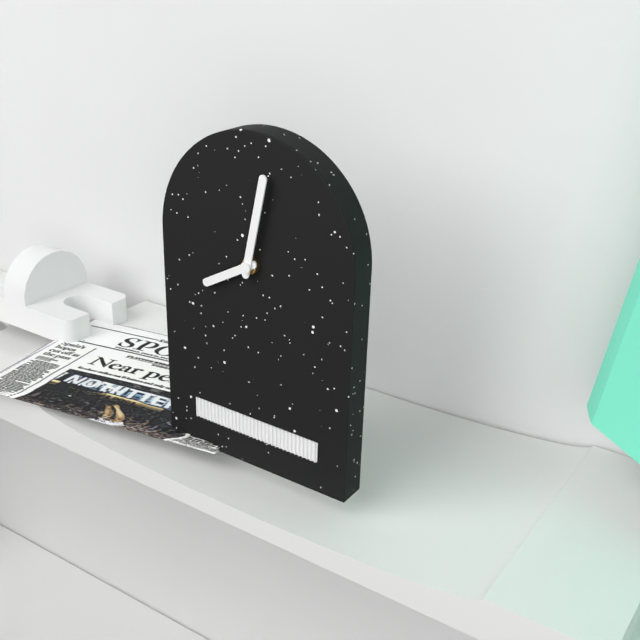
**8:02**
